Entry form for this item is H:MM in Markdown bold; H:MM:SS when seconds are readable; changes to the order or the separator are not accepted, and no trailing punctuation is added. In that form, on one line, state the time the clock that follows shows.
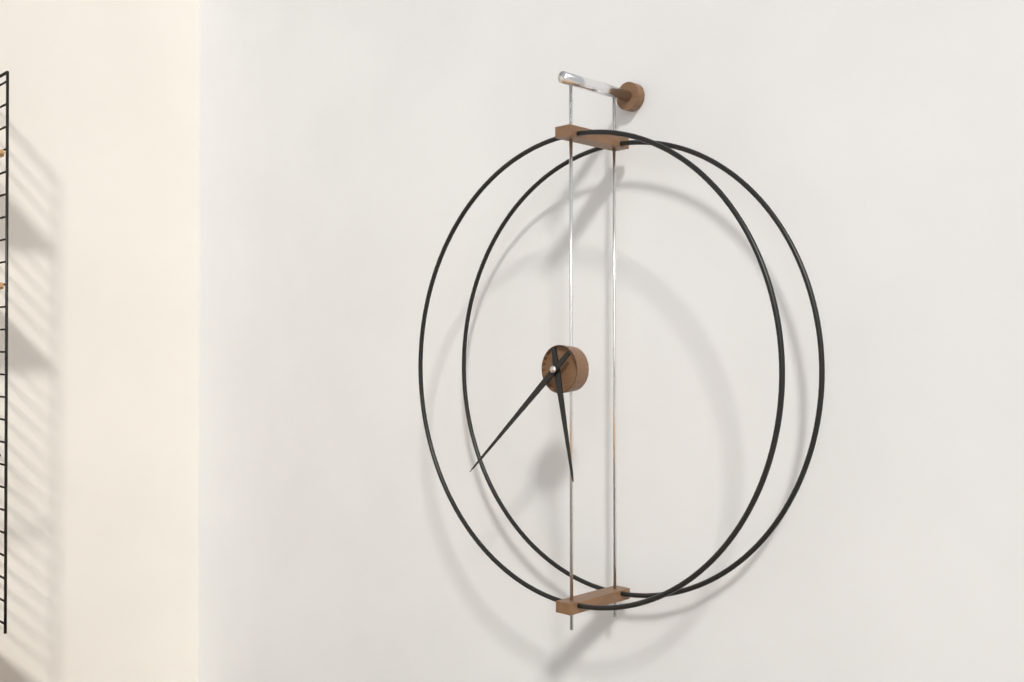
**5:38**
